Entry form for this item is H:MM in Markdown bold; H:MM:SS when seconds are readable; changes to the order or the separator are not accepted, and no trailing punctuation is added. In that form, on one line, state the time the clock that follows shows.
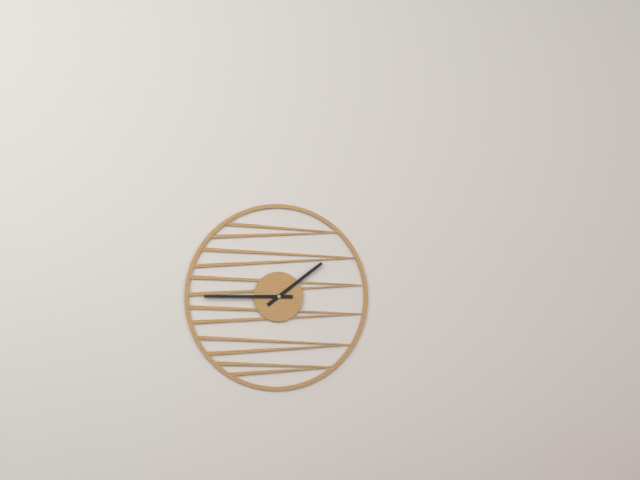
**1:45**
